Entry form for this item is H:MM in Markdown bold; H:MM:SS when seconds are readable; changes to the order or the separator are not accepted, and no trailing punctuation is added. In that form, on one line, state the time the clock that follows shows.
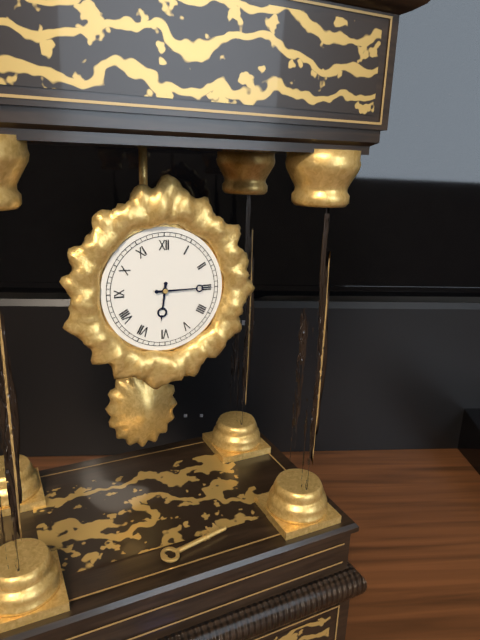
**6:15**
